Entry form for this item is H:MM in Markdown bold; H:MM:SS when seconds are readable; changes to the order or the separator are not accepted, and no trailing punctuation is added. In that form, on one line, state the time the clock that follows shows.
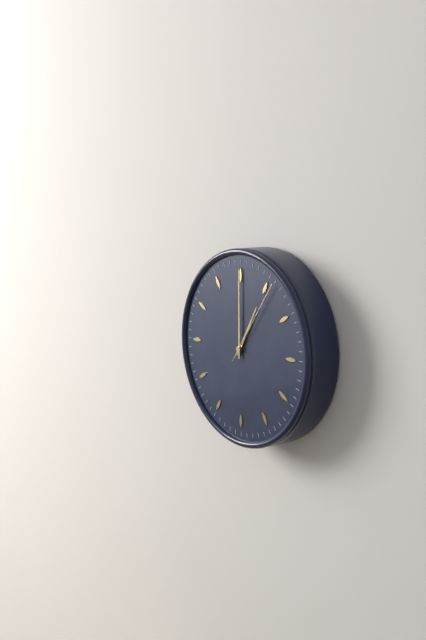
**1:00:06**
